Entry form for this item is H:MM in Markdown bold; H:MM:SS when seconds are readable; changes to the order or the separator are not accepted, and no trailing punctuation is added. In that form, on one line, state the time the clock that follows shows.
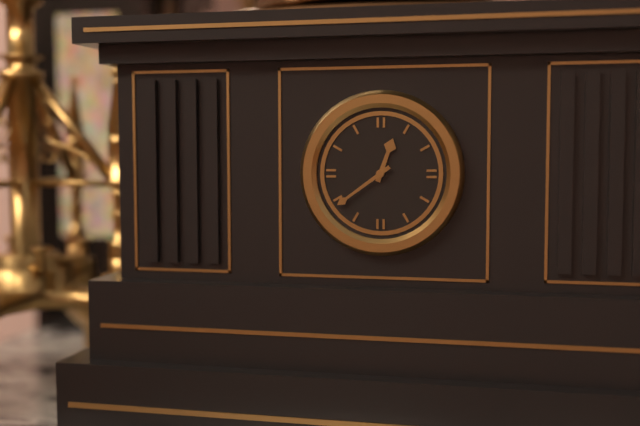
**12:39**
